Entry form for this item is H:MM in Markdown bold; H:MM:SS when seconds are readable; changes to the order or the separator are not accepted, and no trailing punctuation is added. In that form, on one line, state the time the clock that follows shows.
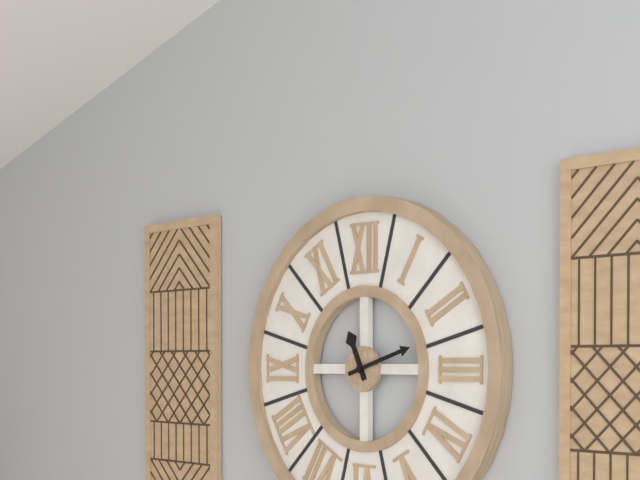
**11:12**
